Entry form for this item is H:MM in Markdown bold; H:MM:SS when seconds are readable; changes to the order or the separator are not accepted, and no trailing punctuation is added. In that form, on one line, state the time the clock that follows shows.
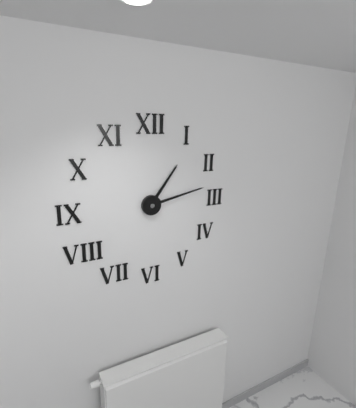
**1:13**
